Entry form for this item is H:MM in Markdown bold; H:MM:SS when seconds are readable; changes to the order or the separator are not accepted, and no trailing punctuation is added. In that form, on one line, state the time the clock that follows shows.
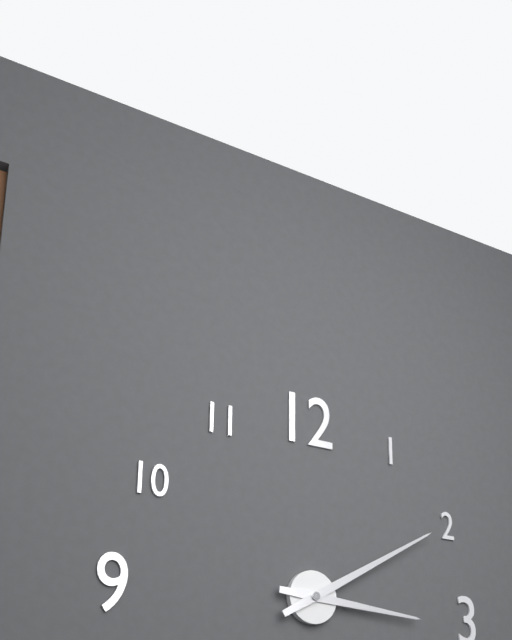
**3:10**
